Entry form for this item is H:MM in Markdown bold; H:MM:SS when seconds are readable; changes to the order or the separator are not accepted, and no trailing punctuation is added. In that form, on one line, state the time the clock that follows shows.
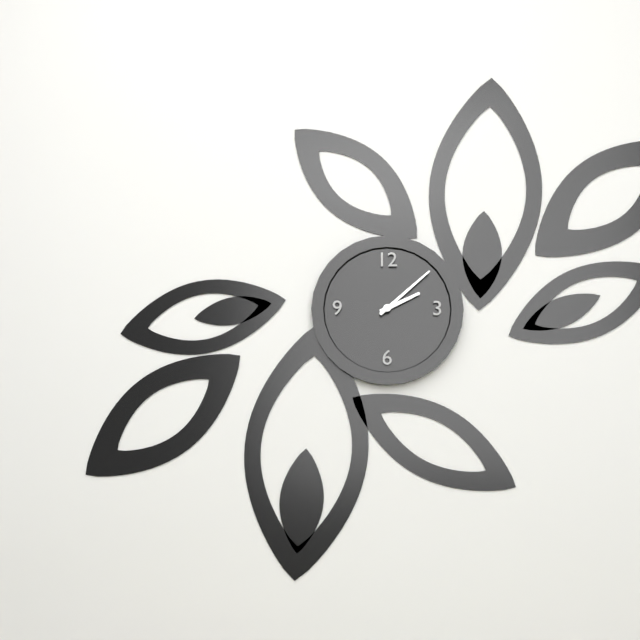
**2:08**
